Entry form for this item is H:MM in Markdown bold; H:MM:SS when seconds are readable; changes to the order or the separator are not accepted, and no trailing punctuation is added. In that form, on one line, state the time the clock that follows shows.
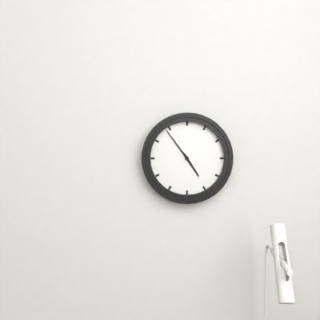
**4:54**
